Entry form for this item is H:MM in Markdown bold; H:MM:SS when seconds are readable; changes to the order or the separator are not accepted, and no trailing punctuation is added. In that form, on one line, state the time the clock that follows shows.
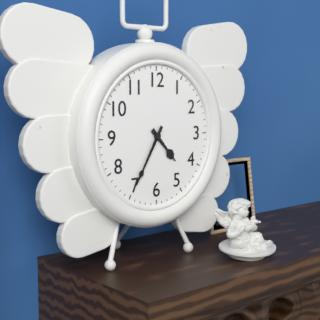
**4:35**
